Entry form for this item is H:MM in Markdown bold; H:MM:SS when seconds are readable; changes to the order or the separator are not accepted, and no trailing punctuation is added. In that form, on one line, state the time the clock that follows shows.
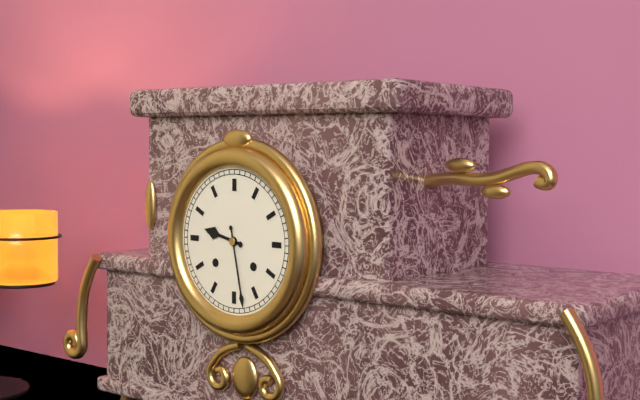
**9:28**
